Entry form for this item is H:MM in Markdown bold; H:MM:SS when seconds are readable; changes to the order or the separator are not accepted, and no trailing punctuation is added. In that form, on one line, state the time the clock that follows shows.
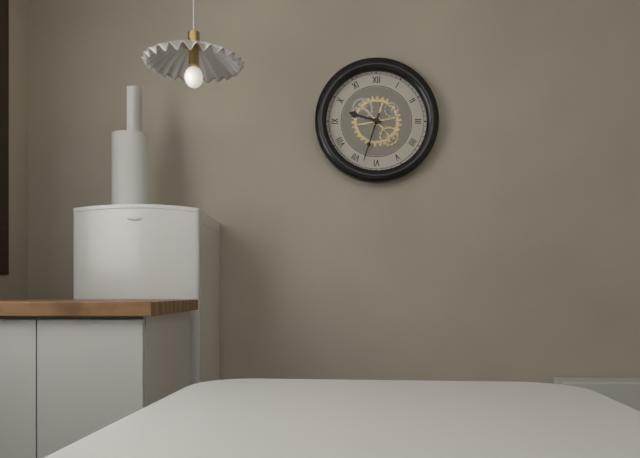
**9:33**
